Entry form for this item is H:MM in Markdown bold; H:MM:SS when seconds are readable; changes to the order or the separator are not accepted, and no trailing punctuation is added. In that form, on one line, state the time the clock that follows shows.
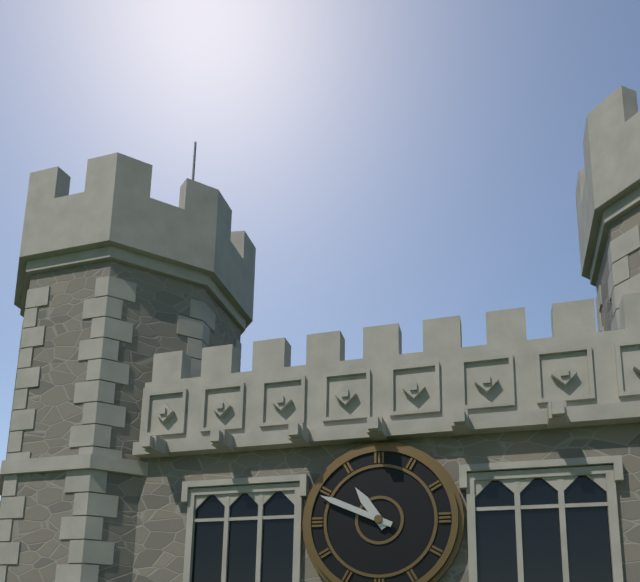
**10:49**
